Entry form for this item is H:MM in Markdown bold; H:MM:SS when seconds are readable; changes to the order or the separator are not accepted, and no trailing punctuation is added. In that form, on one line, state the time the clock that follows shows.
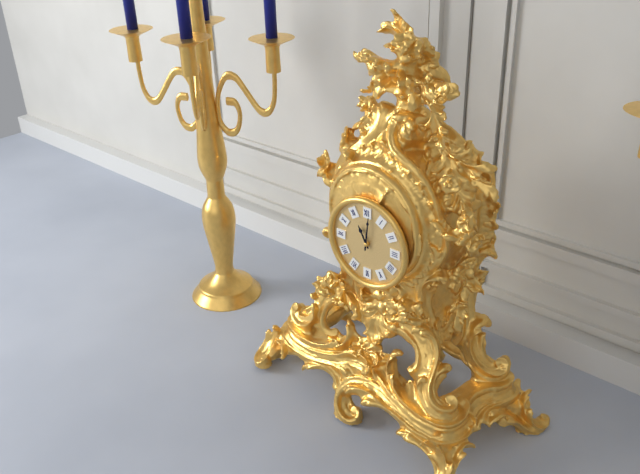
**11:01**
